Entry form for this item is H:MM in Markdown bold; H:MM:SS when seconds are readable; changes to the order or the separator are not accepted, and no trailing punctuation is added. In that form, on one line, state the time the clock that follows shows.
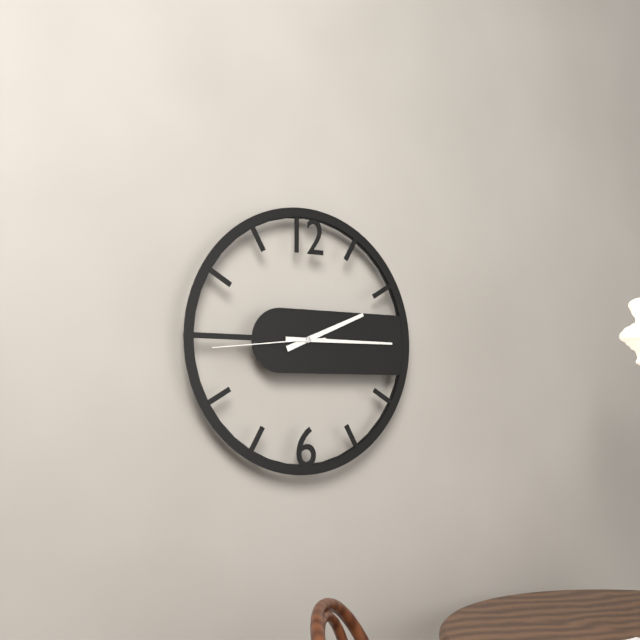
**2:15:44**
